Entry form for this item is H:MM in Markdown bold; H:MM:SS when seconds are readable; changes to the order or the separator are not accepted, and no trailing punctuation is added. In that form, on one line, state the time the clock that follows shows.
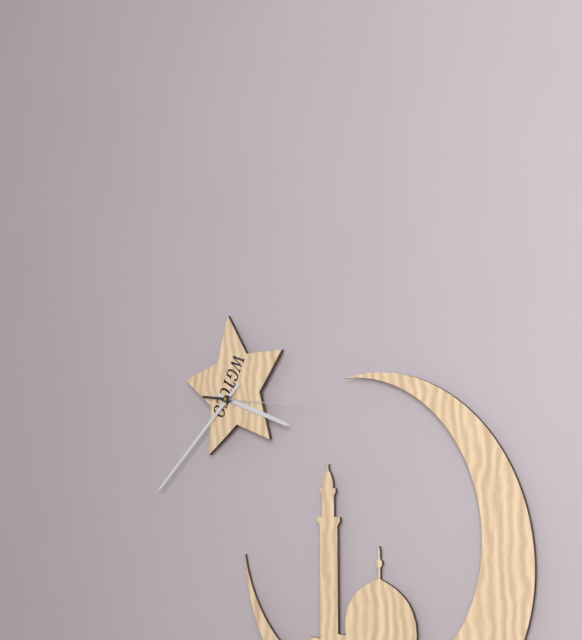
**3:38:16**
